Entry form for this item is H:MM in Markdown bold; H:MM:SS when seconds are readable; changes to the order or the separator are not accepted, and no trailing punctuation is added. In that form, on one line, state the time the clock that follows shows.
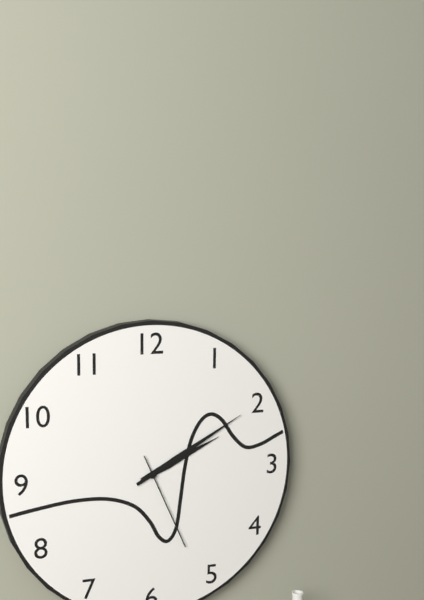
**2:10:26**
